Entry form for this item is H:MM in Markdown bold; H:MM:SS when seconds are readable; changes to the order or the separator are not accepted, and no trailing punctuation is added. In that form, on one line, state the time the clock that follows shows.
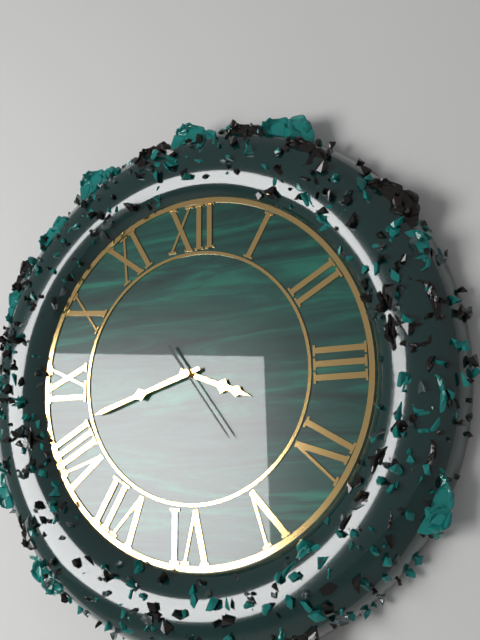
**3:42:24**
